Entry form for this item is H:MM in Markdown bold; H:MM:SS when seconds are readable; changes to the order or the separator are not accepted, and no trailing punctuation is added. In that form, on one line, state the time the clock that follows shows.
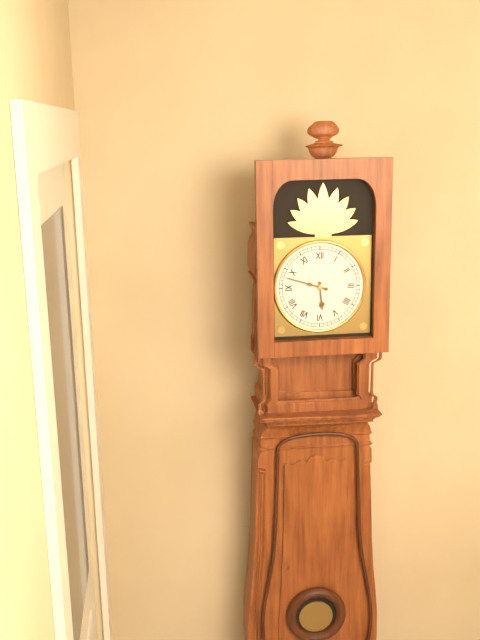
**5:48**
